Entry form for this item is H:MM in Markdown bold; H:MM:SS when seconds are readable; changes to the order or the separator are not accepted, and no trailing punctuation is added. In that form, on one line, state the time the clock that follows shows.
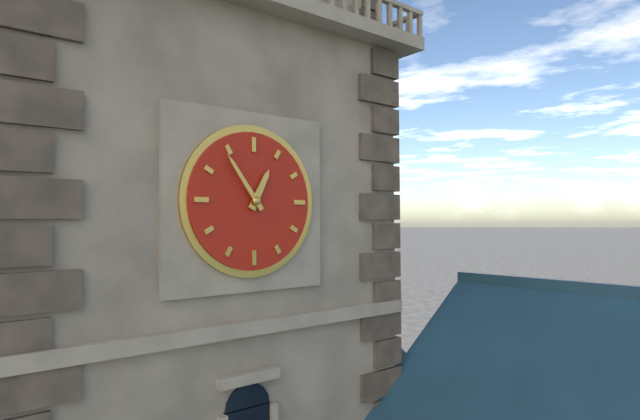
**12:54**
